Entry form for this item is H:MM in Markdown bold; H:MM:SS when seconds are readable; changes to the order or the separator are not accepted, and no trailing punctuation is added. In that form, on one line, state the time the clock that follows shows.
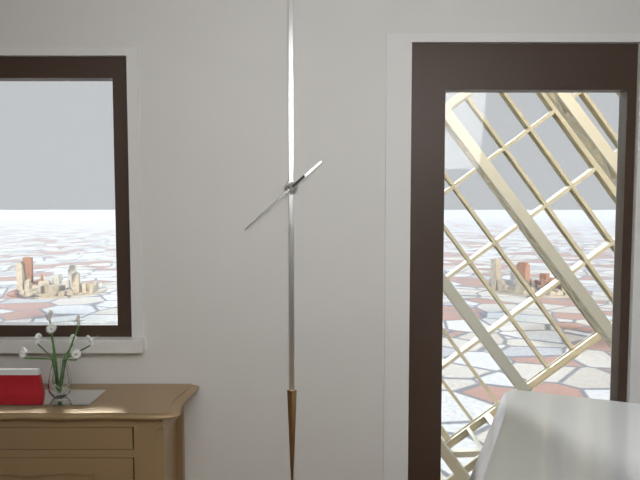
**1:38**
